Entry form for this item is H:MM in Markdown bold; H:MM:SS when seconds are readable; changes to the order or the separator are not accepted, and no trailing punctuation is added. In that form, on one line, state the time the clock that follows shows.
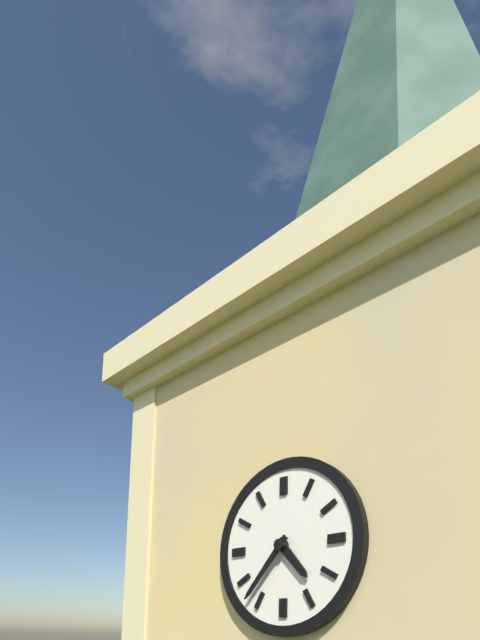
**4:37**
